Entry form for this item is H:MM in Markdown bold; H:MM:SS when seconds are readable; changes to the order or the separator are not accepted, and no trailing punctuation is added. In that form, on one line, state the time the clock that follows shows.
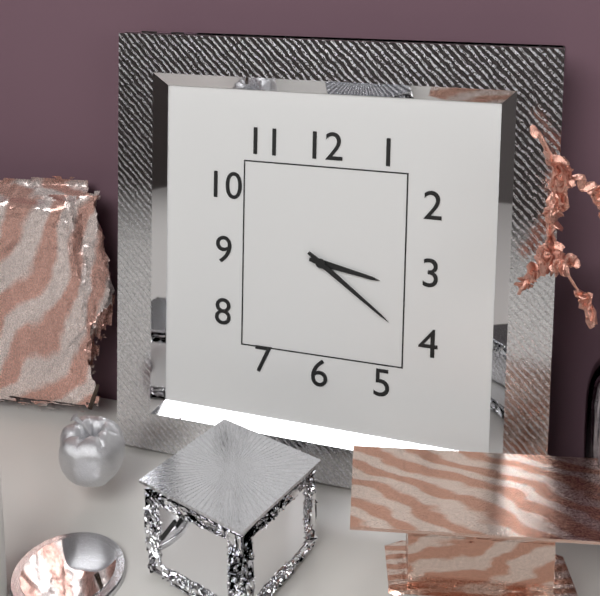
**3:21**
